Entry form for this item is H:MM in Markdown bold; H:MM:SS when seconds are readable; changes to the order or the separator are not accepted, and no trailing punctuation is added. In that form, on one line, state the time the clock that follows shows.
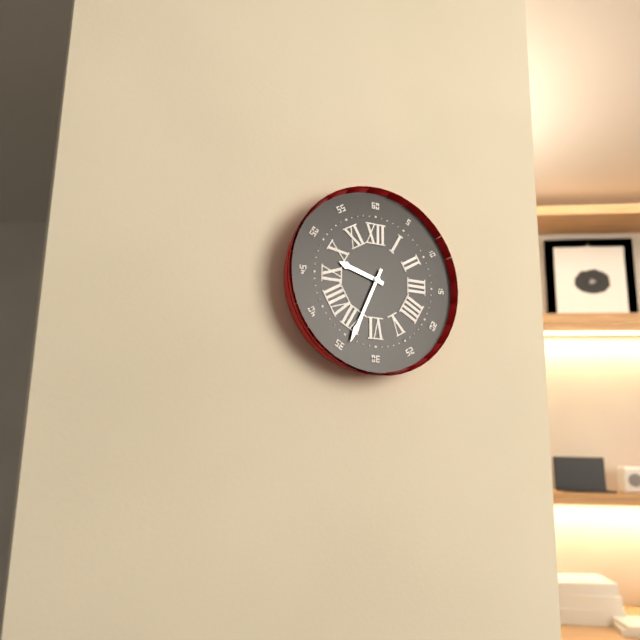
**9:34**
